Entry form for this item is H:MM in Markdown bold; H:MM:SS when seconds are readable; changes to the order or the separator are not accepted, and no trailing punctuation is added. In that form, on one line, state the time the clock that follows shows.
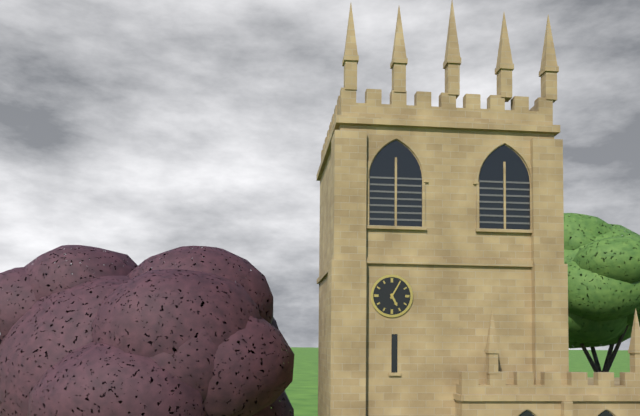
**5:05**
